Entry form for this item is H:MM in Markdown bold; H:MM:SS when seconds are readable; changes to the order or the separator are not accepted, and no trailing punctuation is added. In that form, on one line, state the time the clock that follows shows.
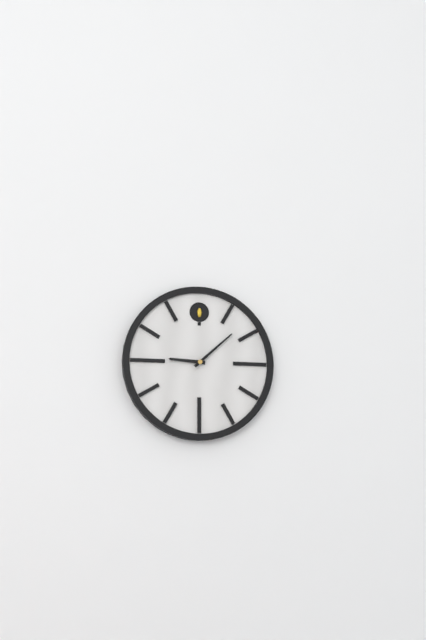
**9:08**
